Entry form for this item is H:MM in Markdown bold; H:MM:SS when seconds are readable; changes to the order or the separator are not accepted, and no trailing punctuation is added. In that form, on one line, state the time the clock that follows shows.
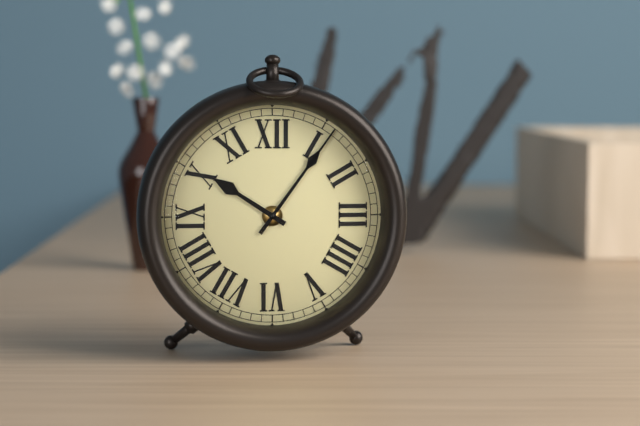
**10:06**
